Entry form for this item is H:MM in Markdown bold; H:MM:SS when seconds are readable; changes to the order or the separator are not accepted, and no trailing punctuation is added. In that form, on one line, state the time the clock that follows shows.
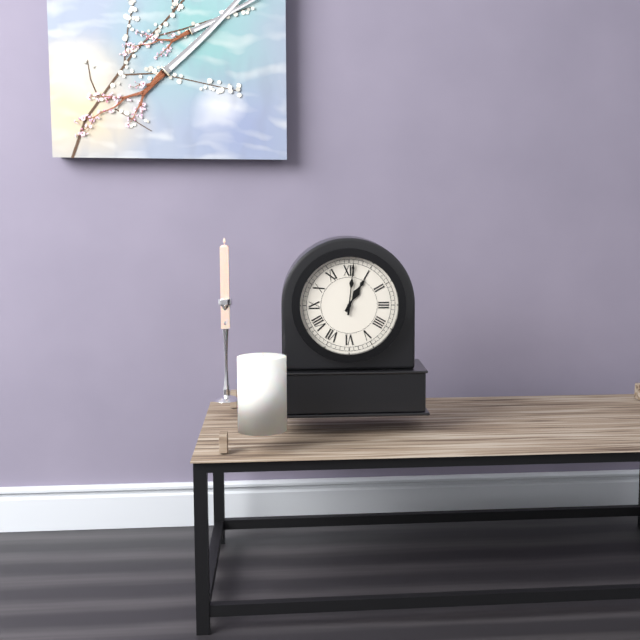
**1:01**
